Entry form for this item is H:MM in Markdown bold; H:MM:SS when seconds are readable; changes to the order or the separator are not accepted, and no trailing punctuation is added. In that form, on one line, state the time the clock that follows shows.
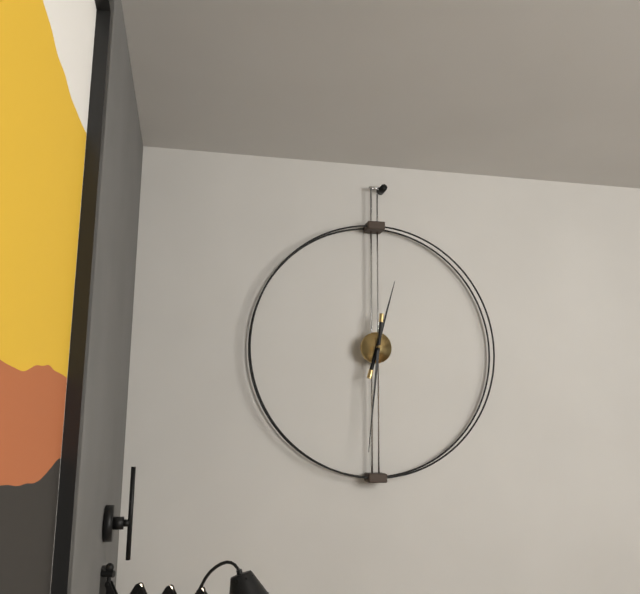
**12:31**
